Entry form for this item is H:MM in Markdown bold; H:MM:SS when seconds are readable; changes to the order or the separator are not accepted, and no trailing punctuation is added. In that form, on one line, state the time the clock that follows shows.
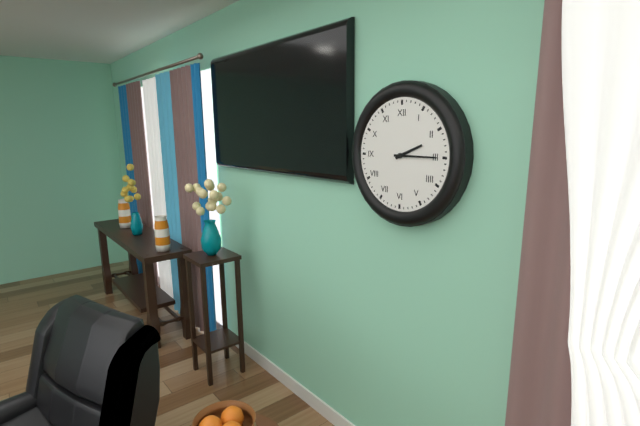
**2:15**
